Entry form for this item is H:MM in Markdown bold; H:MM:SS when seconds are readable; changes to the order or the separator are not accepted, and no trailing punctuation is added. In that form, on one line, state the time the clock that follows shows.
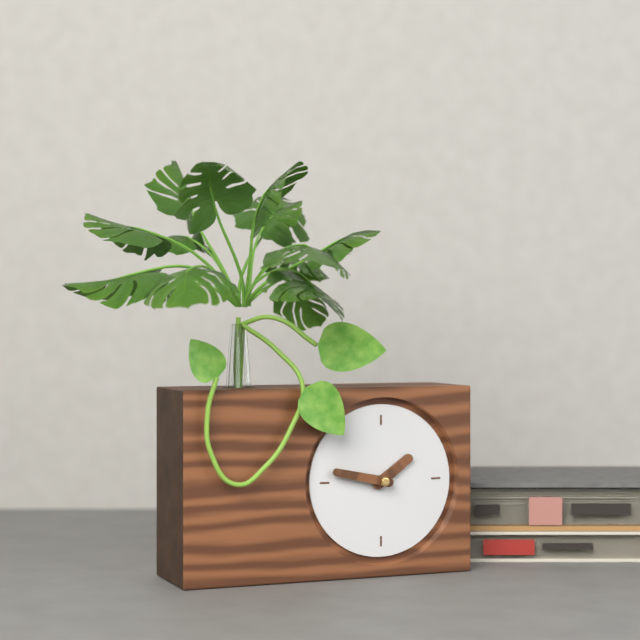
**1:47**
